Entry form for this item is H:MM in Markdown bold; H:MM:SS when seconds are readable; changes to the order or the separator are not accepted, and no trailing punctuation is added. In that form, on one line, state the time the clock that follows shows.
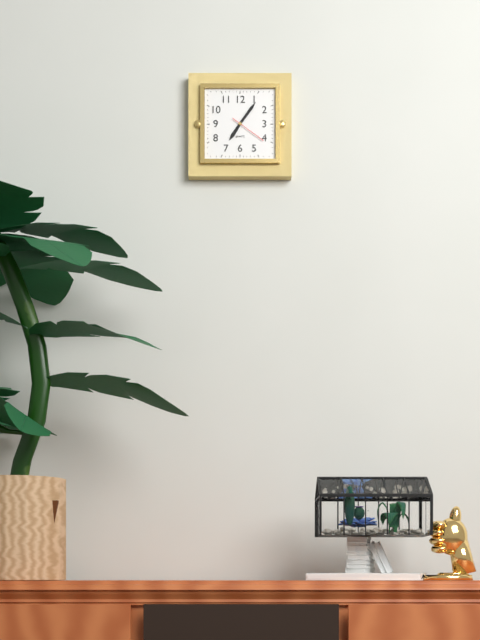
**7:06**
